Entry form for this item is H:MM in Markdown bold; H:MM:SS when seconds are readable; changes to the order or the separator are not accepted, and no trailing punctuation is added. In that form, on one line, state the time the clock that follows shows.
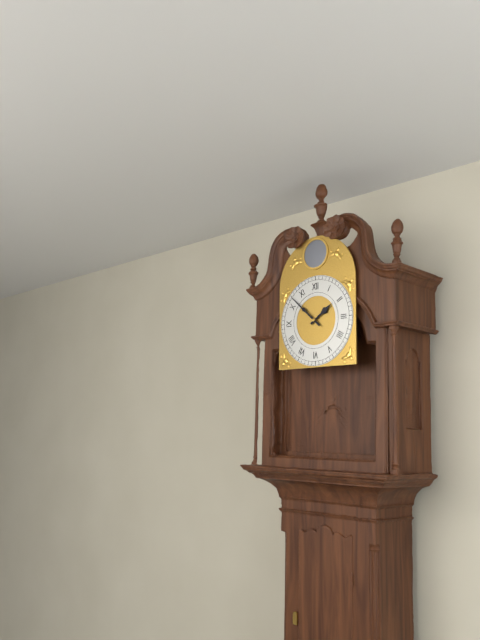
**1:52**
